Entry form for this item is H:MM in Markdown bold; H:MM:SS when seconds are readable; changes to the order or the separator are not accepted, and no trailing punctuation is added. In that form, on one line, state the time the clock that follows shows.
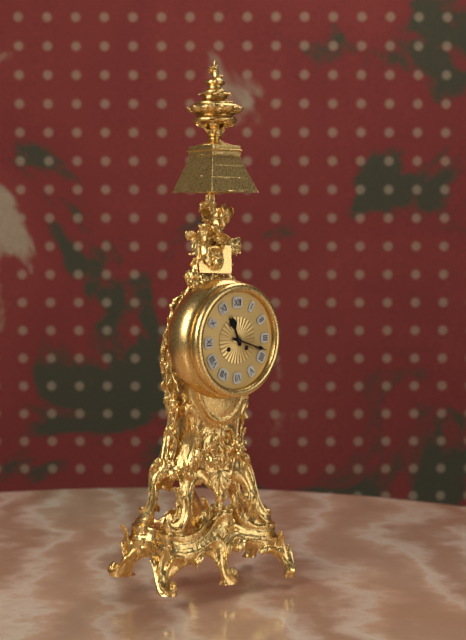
**11:18**
